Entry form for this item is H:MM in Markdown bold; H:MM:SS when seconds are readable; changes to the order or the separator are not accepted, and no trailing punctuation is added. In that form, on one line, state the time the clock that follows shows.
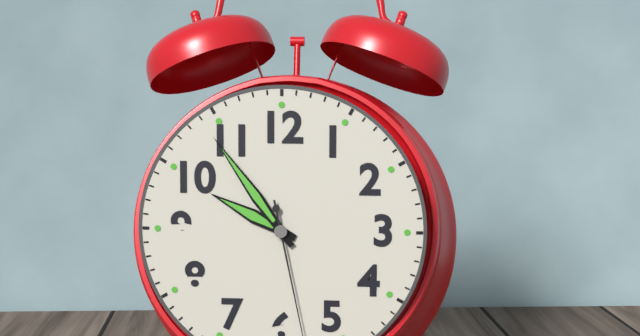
**9:54**
